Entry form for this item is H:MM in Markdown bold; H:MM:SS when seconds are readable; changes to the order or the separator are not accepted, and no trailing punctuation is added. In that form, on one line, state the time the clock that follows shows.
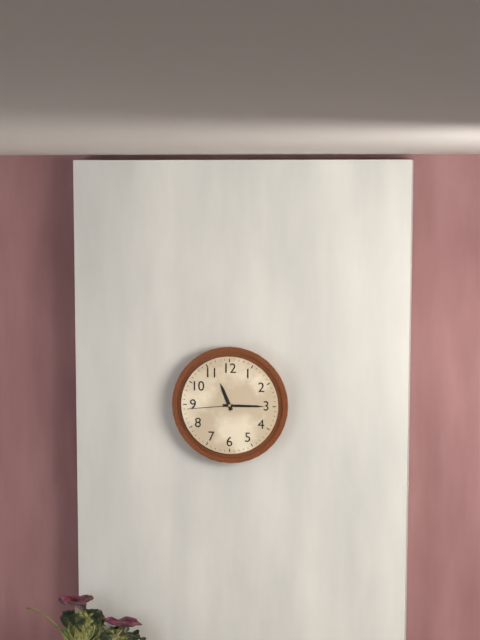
**11:15:44**
